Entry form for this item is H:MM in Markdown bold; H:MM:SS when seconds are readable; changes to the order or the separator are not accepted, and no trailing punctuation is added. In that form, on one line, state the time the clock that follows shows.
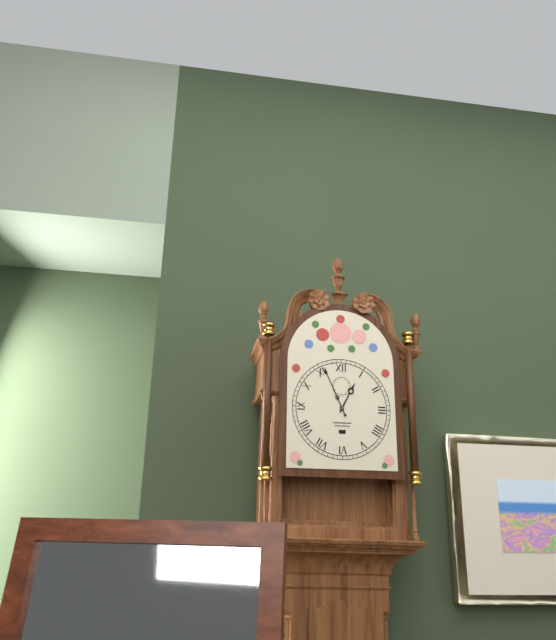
**12:56**
